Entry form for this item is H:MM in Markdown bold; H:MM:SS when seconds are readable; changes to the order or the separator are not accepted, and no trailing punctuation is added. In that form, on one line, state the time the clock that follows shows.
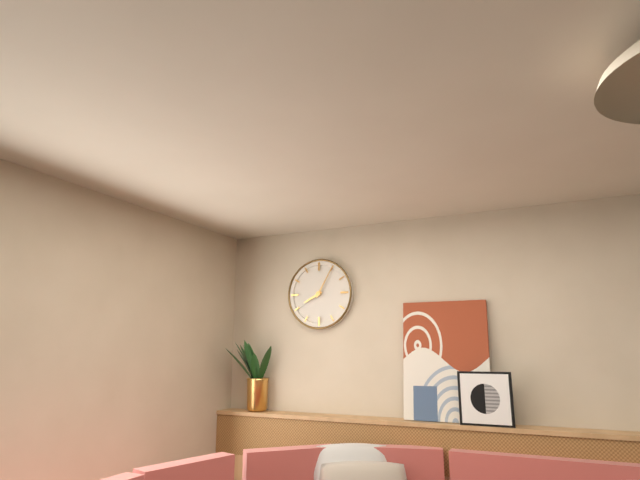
**8:05**
